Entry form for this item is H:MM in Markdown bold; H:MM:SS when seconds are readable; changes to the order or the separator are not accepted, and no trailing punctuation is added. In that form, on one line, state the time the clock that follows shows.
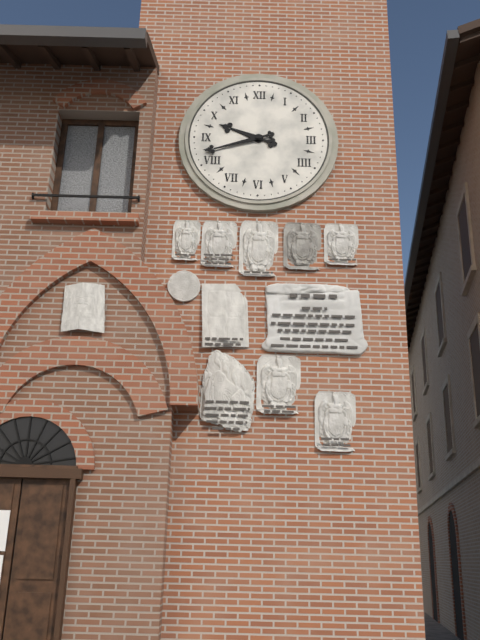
**9:42**
